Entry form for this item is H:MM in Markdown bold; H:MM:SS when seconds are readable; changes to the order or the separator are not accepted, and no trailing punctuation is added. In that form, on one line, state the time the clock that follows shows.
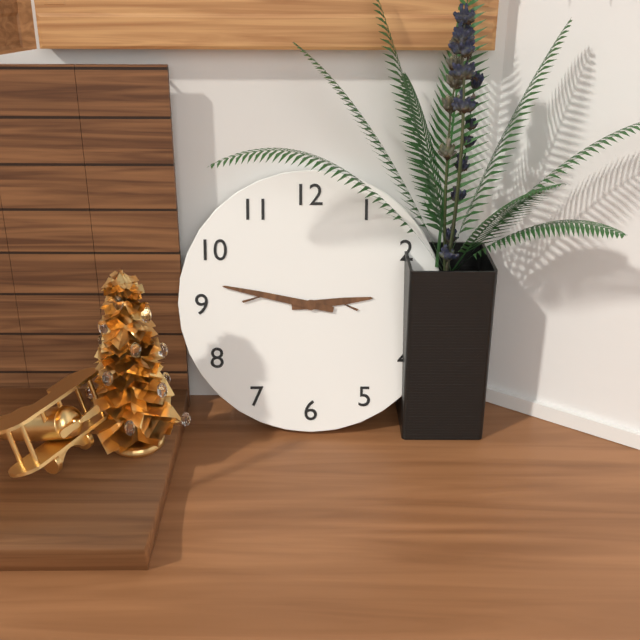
**2:47**
